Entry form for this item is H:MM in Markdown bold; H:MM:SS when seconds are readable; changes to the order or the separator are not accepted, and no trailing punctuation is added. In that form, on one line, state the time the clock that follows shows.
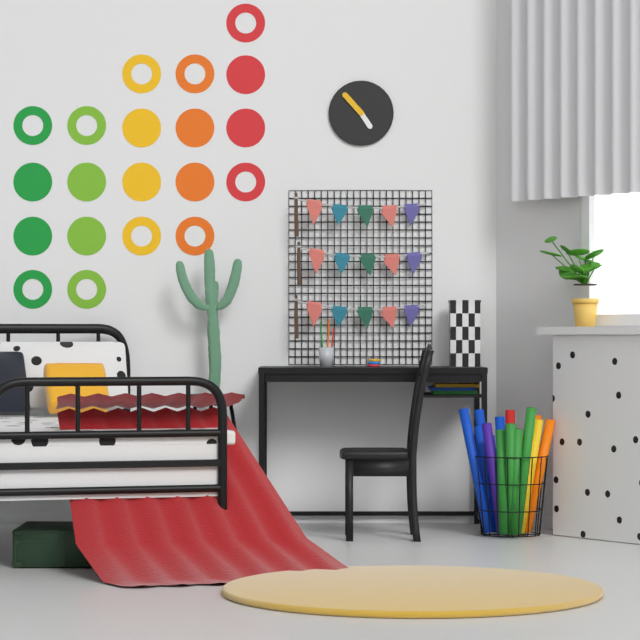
**4:53**
